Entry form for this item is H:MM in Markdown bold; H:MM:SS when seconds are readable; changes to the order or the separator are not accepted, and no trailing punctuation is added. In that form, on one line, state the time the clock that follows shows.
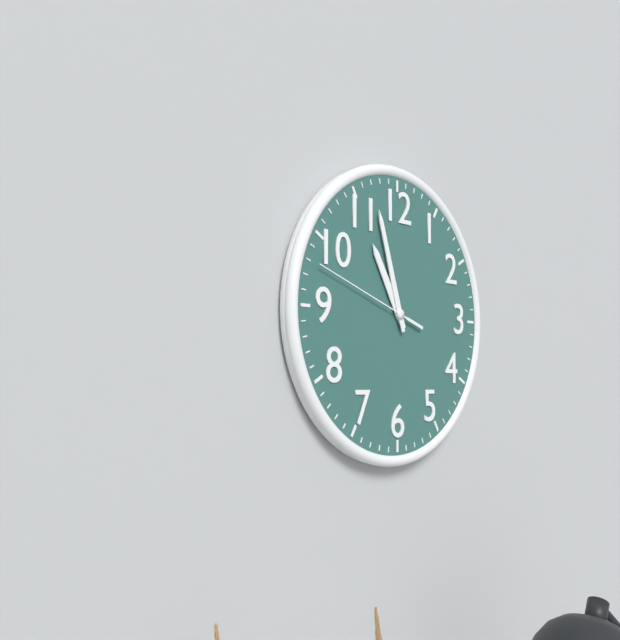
**10:57:48**
